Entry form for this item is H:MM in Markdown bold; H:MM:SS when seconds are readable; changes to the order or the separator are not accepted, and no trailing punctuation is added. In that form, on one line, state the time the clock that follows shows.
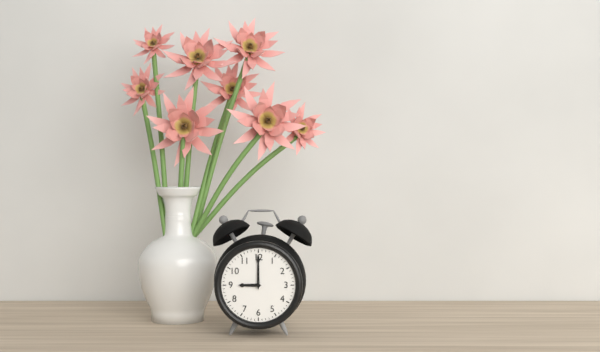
**9:00**
